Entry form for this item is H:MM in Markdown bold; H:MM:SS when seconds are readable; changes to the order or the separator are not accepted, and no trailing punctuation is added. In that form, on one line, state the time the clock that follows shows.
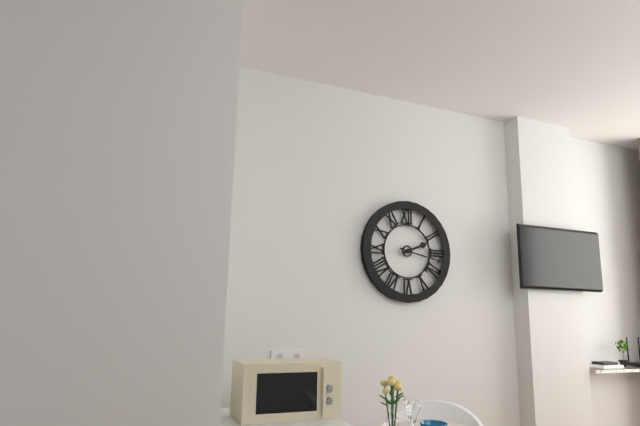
**2:17**
